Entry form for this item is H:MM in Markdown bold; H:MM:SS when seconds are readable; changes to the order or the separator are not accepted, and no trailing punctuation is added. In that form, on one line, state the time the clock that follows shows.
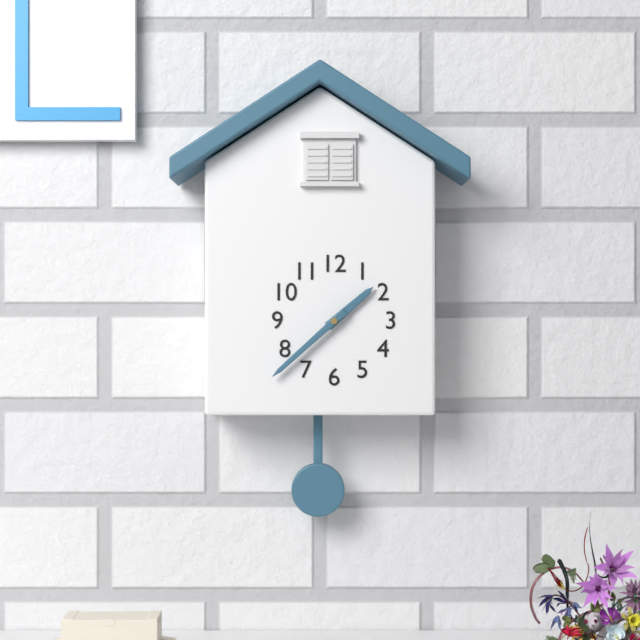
**1:38**
